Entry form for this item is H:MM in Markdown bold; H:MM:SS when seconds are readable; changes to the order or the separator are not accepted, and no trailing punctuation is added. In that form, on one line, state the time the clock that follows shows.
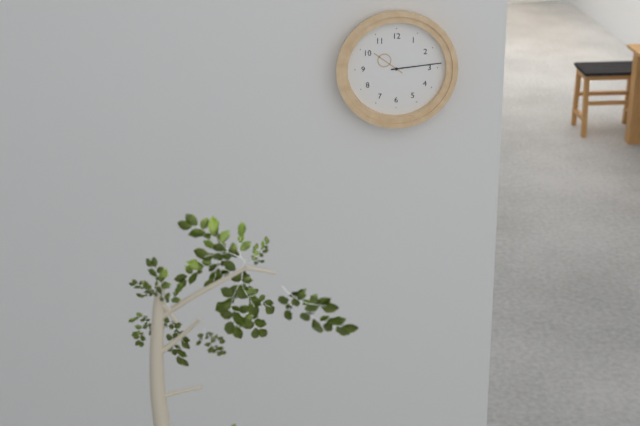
**10:14**
